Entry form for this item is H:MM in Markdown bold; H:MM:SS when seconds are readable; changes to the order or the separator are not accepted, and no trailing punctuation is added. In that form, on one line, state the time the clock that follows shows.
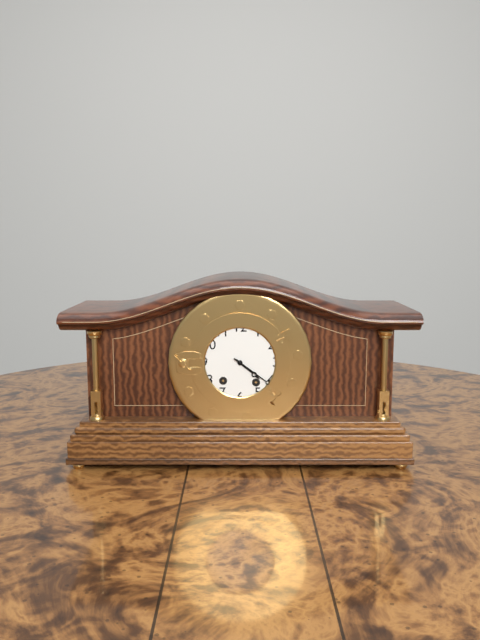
**4:21**
